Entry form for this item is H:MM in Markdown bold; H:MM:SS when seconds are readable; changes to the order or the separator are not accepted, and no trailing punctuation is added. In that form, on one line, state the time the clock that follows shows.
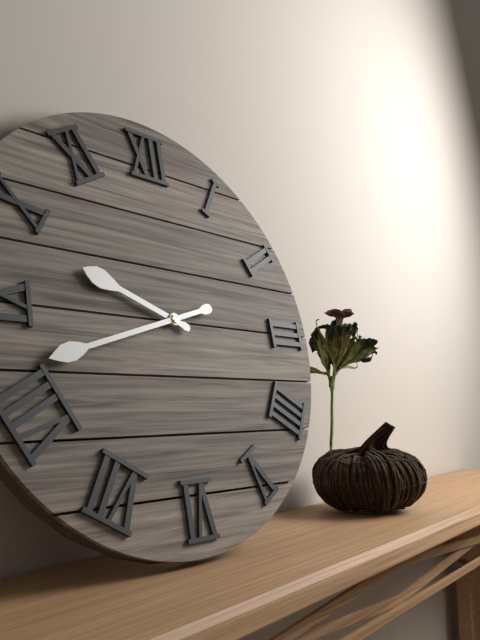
**9:42**
